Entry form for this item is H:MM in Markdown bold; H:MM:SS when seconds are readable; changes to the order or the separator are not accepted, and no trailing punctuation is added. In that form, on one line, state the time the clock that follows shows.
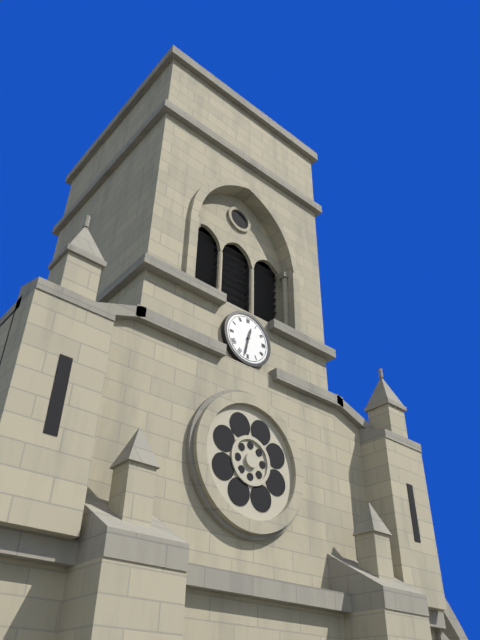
**12:32**
